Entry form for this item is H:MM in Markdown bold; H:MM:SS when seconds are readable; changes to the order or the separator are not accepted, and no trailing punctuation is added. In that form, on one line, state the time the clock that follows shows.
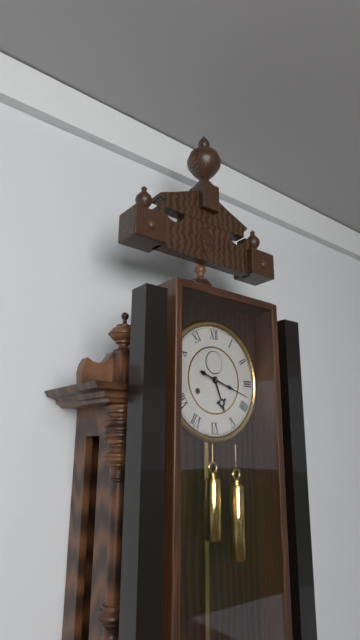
**5:18**
